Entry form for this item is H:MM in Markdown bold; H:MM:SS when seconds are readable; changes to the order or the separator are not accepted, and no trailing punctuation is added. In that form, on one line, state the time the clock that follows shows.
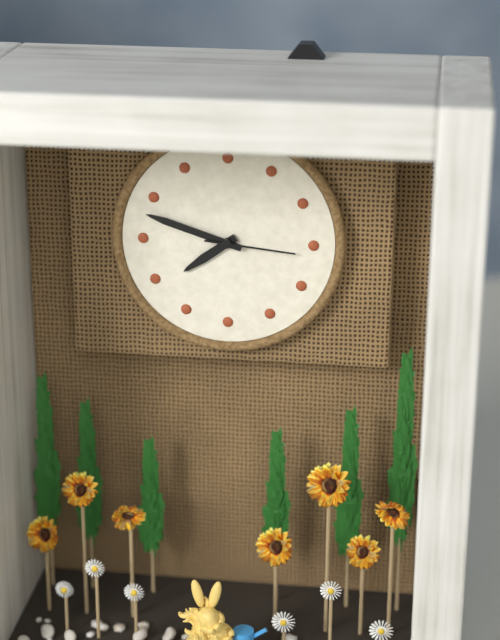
**7:48:16**
